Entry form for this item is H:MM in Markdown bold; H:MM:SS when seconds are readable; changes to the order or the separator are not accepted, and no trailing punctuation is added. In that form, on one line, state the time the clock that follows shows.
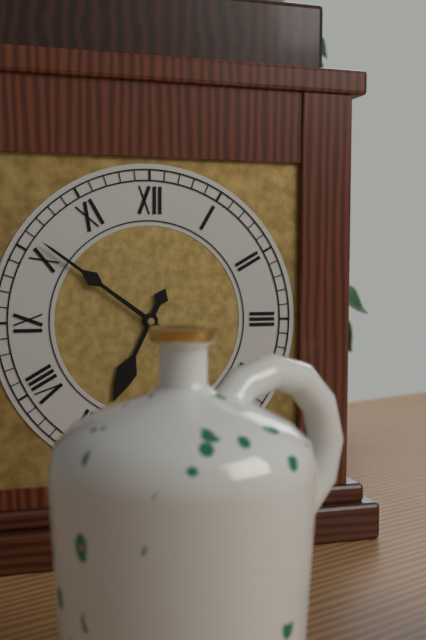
**6:51**
